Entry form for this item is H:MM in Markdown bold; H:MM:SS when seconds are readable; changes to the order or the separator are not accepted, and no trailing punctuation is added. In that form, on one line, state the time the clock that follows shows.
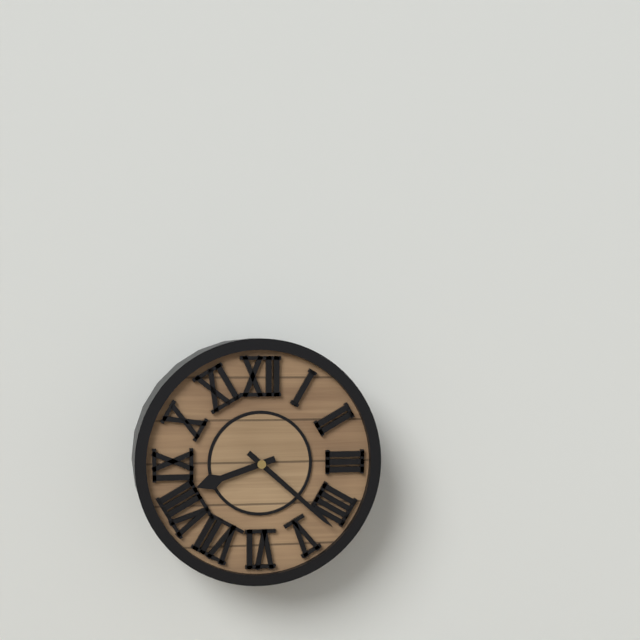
**8:22**
